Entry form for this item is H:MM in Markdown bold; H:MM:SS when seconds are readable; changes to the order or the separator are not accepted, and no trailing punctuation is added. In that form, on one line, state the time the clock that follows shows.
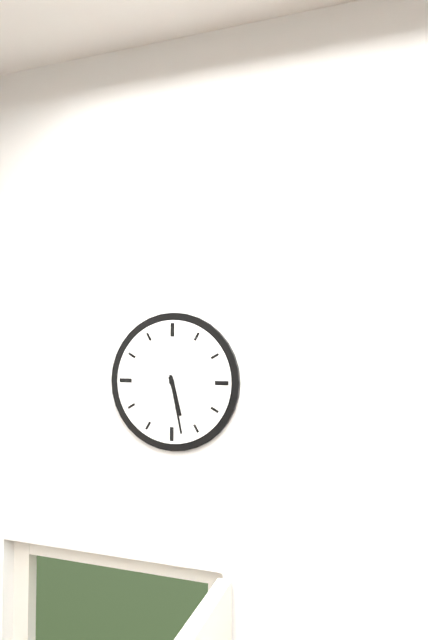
**5:28**
